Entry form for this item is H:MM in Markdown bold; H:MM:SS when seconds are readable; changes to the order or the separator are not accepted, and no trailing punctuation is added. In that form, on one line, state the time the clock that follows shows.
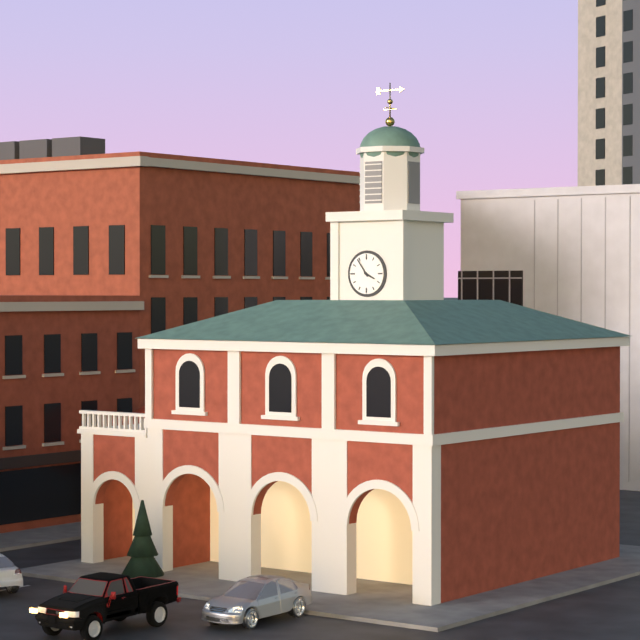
**3:54**
